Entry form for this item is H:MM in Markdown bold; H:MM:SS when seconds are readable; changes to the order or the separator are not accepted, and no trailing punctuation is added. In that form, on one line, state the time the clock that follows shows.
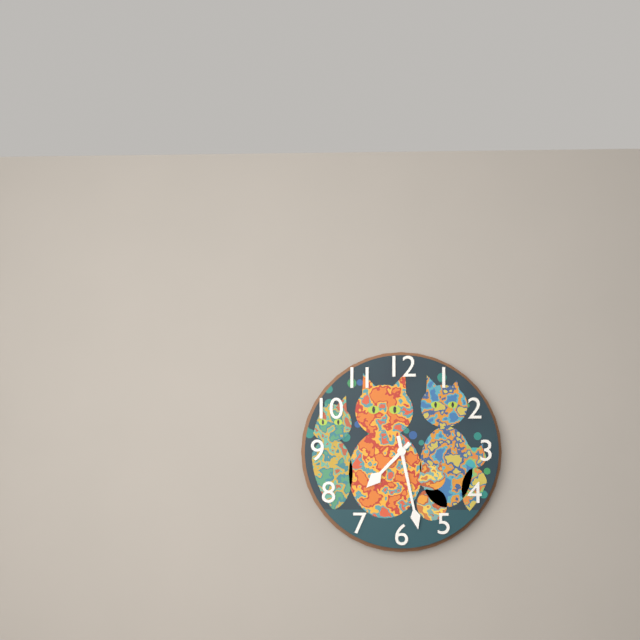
**7:28**
